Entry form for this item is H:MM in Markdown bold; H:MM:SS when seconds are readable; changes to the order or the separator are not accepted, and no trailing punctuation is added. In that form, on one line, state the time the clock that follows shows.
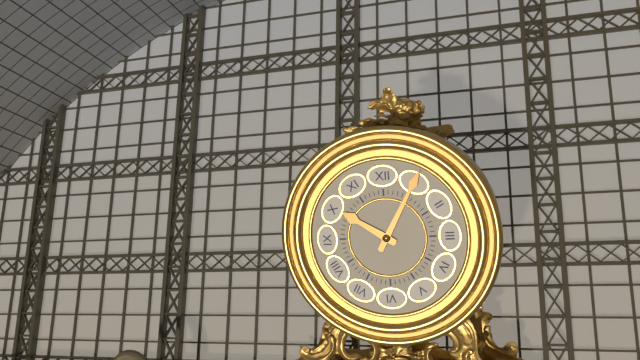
**10:05**
